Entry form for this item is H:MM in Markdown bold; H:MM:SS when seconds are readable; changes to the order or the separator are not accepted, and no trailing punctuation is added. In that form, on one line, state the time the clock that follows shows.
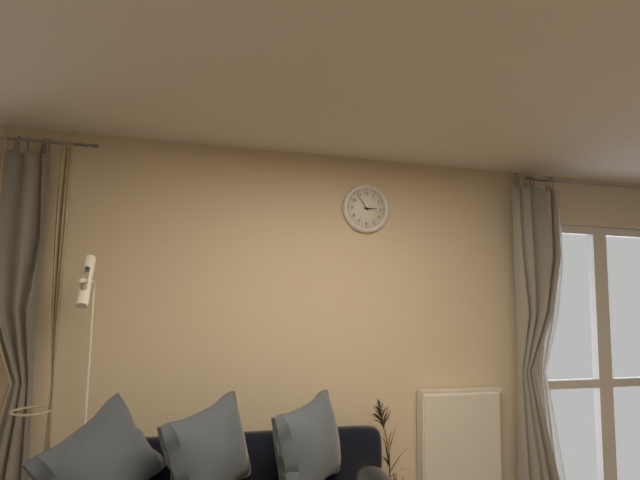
**2:54**
